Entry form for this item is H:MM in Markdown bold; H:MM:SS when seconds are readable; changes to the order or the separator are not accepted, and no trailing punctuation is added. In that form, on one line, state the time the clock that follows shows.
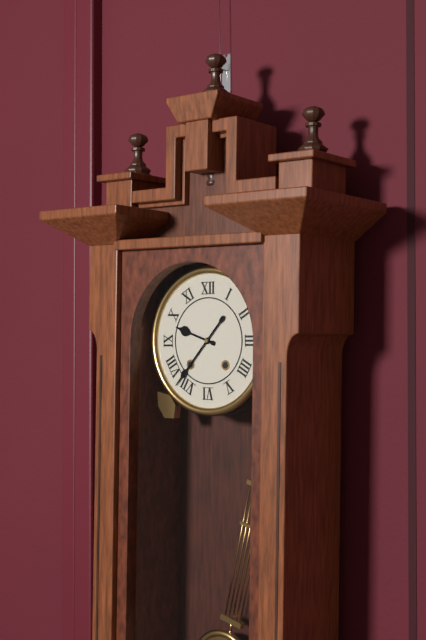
**9:37**
